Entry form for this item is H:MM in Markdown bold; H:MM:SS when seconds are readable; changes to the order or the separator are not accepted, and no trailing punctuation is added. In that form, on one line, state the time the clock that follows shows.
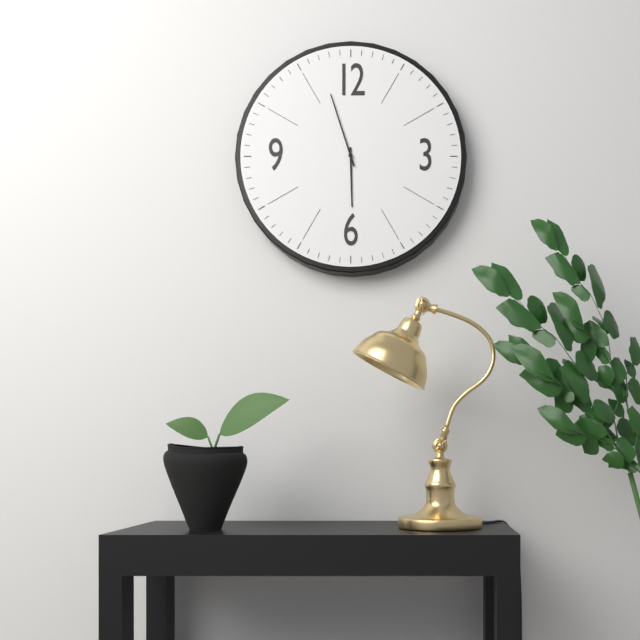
**5:57**
